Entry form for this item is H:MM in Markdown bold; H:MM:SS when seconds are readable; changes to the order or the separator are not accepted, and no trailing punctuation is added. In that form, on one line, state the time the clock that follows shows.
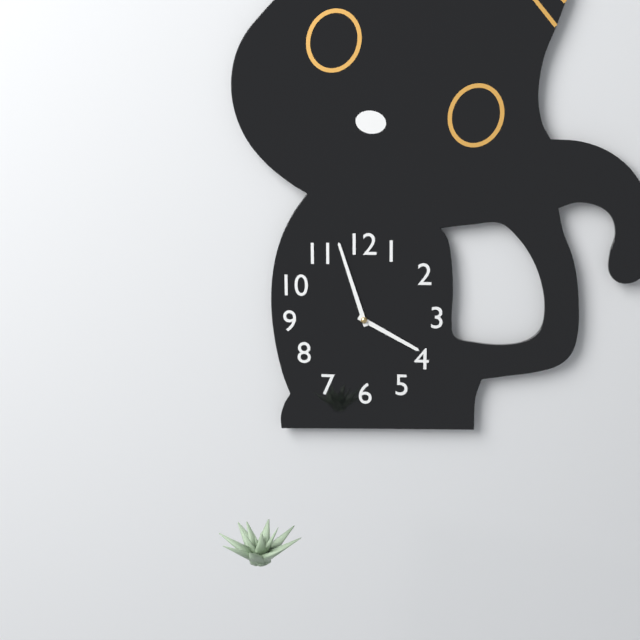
**3:57**
